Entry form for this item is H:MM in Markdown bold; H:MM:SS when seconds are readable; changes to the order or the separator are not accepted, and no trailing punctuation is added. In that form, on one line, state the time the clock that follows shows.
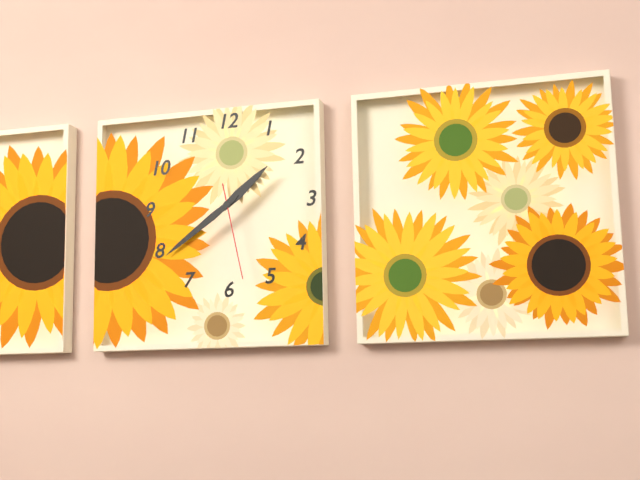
**1:39:28**
